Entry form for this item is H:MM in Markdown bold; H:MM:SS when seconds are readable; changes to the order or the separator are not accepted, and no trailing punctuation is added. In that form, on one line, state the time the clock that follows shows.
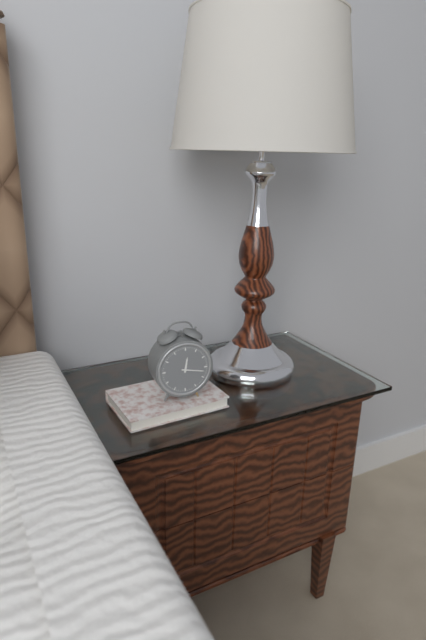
**12:17**
